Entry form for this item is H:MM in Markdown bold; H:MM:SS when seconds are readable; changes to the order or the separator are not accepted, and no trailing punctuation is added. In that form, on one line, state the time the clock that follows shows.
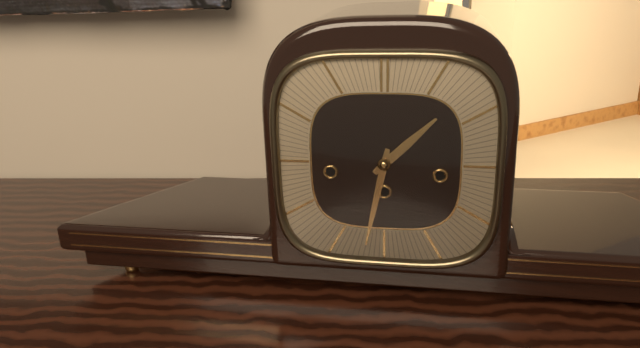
**1:32**
